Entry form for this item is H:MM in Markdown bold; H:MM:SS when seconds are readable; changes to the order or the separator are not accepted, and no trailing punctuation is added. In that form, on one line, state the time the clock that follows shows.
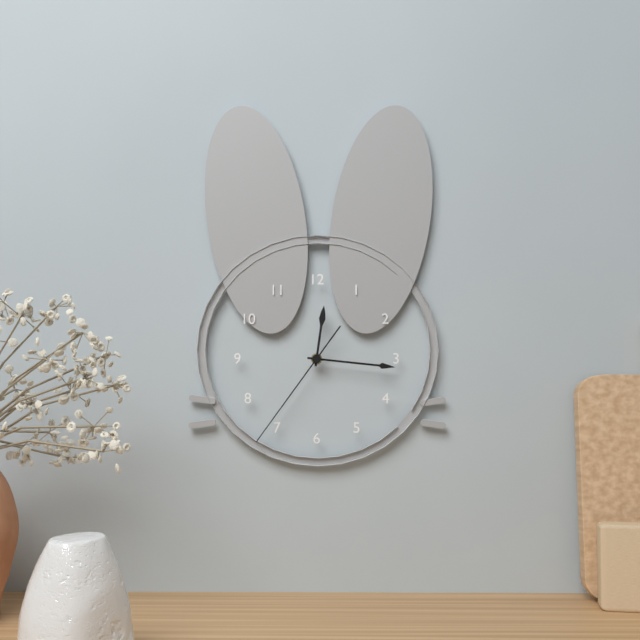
**12:16:36**
